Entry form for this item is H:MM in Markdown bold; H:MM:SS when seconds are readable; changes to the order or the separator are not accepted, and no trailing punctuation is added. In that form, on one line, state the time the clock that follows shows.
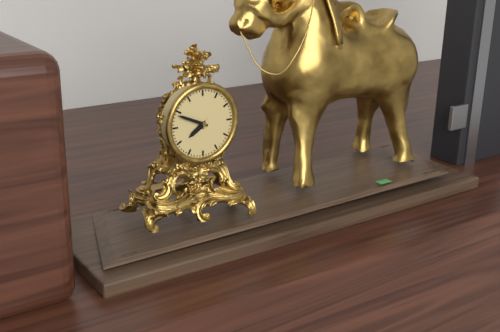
**7:49**
